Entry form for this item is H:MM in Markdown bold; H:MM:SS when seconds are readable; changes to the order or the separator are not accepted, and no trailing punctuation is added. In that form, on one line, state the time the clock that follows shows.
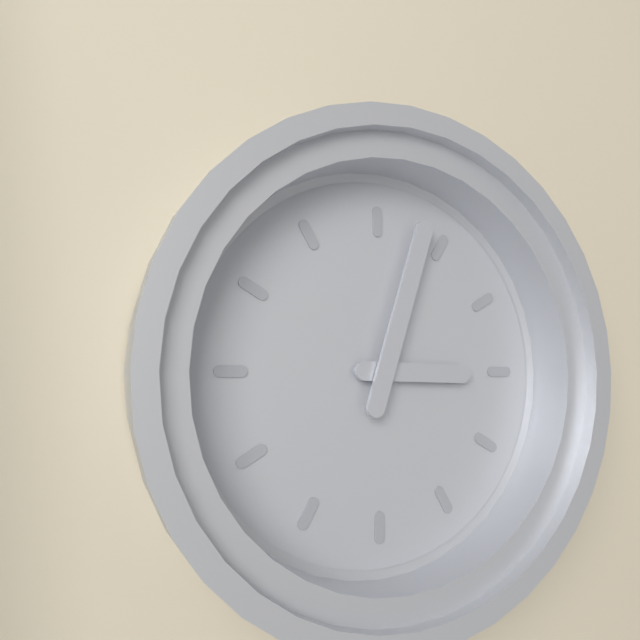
**3:03**
